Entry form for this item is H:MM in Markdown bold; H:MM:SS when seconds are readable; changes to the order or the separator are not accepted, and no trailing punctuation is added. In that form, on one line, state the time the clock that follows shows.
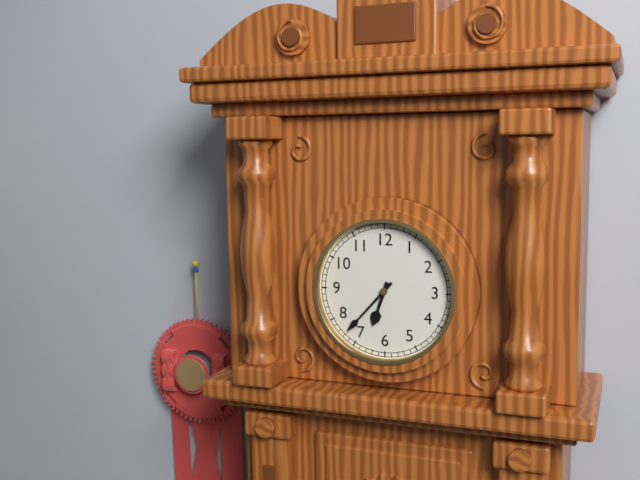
**6:37**
